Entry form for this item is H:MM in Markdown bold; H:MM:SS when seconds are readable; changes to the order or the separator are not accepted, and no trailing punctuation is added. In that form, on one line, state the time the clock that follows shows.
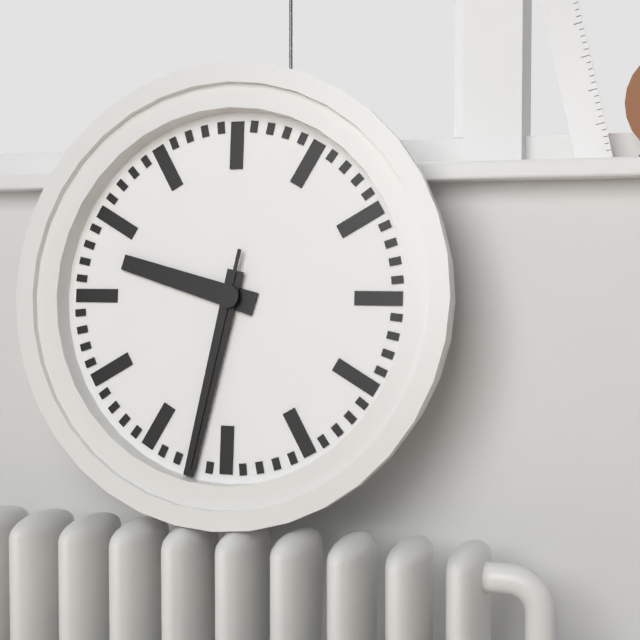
**9:32:32**
